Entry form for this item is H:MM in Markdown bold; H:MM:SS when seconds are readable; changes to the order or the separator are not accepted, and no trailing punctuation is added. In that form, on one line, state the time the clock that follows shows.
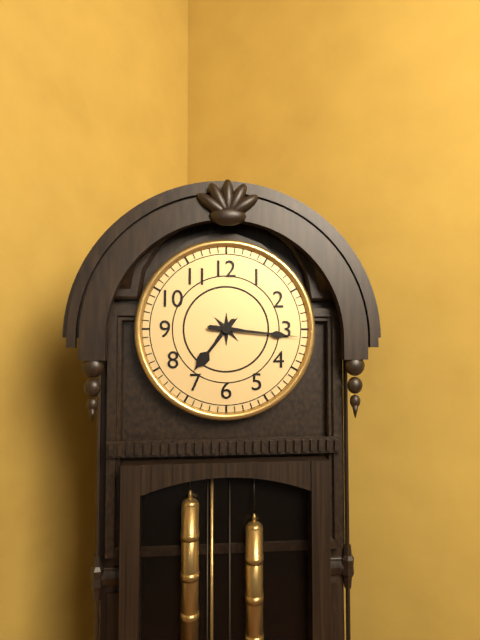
**7:16**
